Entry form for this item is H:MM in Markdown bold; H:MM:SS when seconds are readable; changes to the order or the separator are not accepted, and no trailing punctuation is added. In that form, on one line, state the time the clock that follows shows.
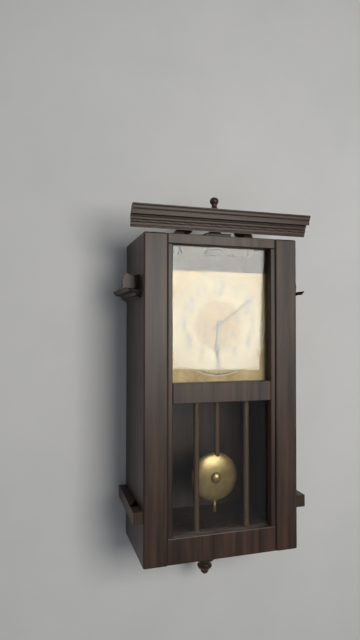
**6:09**
